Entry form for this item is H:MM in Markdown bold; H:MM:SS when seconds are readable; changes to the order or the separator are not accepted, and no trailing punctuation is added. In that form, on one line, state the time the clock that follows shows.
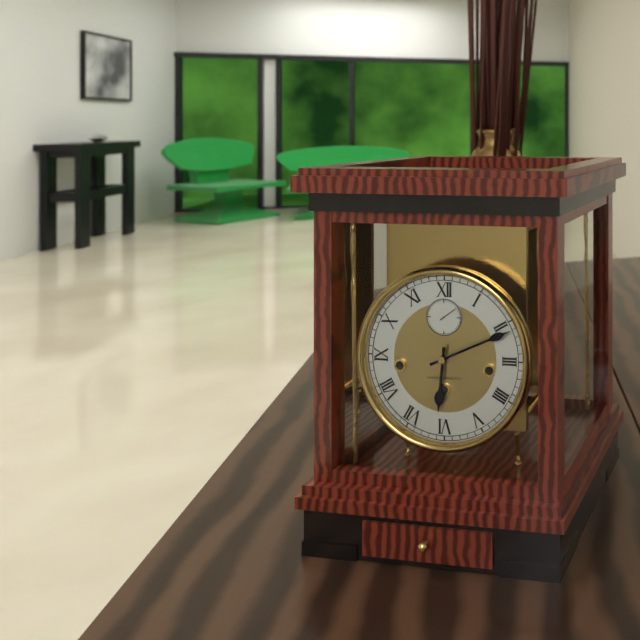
**6:11**
